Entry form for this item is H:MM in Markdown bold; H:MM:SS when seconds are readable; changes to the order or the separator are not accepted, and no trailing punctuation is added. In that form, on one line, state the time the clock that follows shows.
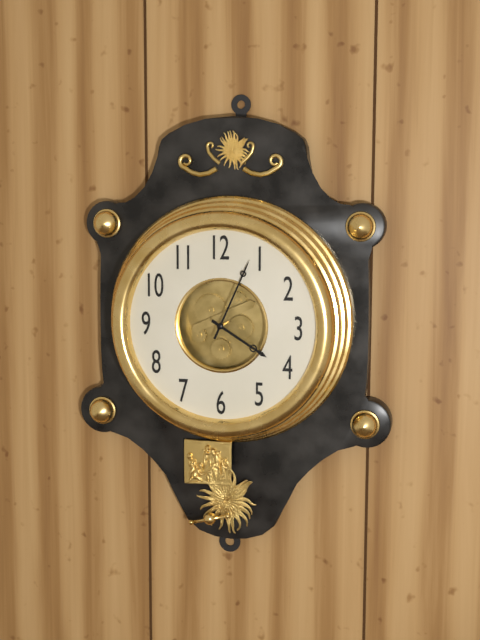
**4:04**
